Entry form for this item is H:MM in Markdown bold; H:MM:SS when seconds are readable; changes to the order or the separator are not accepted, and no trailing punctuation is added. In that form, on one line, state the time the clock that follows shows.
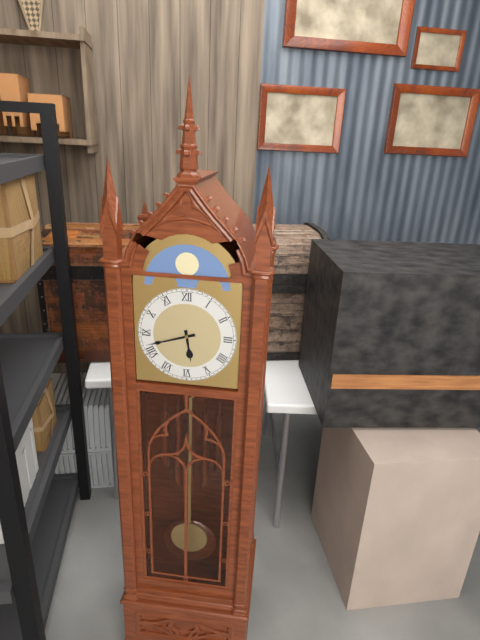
**5:42**
